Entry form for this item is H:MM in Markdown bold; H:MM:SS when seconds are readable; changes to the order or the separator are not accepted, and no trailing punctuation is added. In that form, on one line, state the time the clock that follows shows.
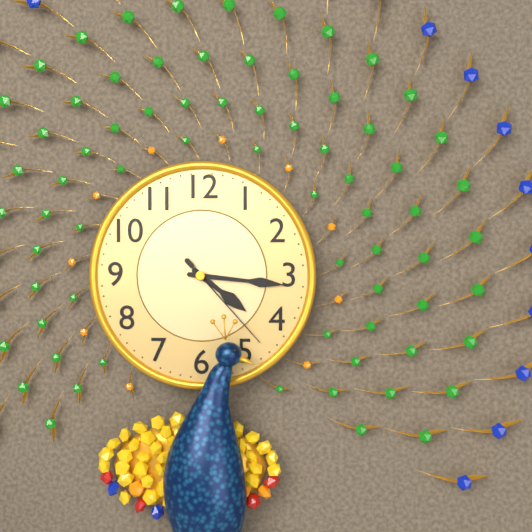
**4:16:23**
